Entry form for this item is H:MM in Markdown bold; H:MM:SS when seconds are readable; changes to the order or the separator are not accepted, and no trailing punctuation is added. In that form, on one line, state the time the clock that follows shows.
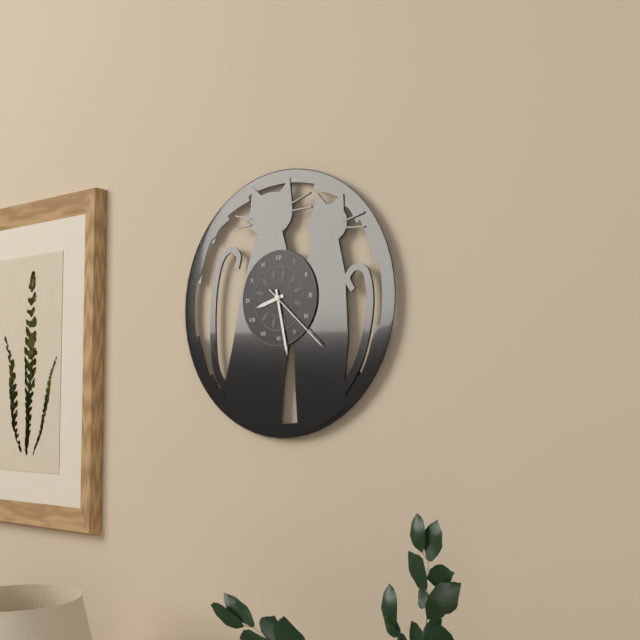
**8:28:22**
